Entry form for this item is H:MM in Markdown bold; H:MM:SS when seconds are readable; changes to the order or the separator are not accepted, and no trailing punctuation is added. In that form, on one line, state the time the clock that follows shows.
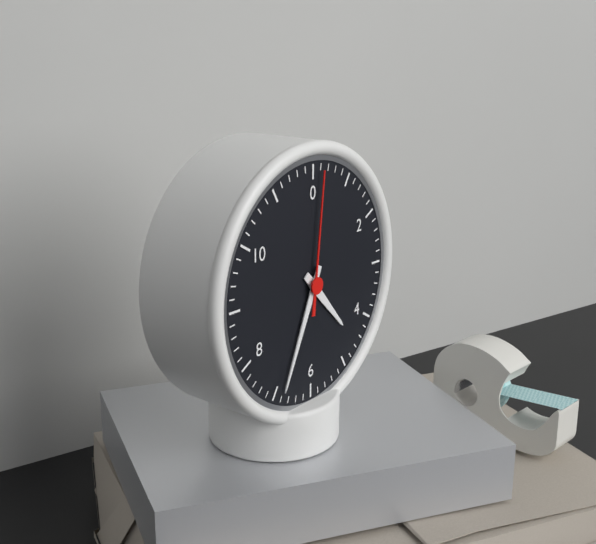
**4:34:01**
